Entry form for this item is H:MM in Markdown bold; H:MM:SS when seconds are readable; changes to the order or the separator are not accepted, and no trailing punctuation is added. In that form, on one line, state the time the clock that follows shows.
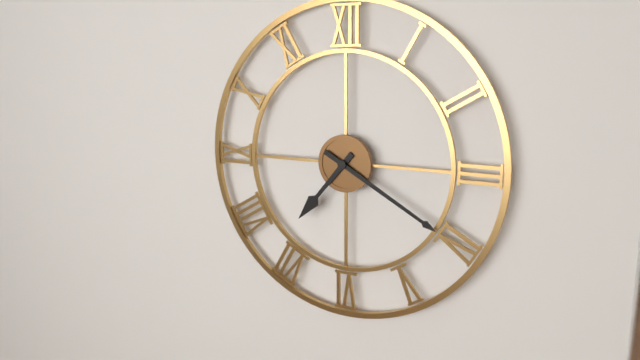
**7:20**
